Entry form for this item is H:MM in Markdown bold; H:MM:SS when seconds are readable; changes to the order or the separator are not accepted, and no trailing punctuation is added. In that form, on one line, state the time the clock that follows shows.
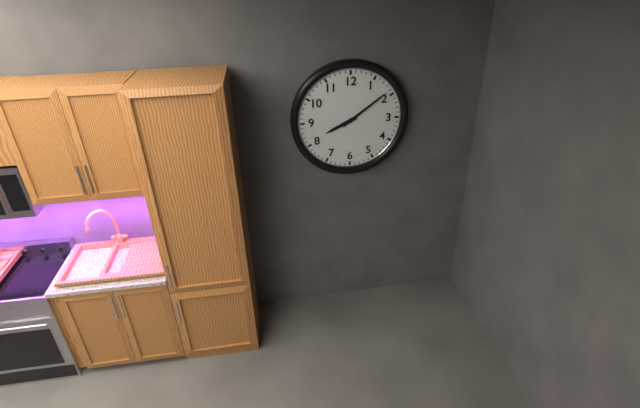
**8:09**
